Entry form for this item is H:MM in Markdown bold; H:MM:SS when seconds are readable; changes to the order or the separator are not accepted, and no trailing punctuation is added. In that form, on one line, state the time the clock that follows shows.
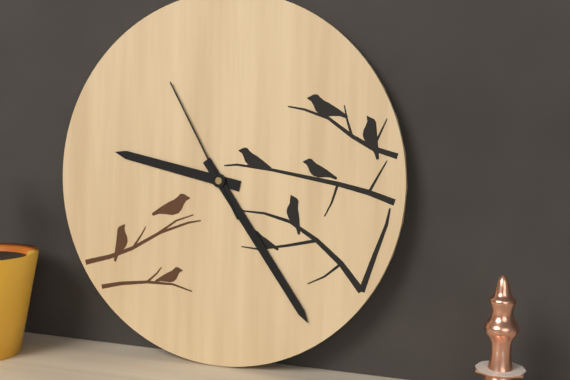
**9:24:55**
